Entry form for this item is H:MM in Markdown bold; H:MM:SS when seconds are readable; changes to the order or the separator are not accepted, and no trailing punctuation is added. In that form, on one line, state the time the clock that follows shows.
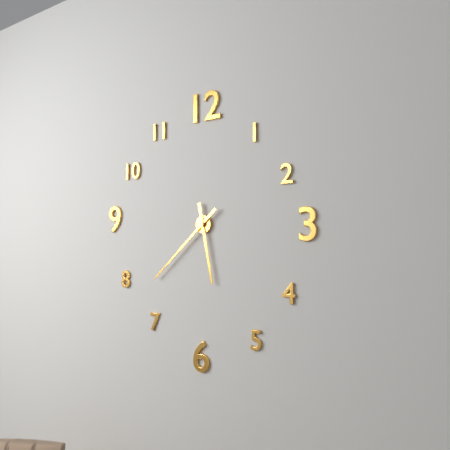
**5:38**
